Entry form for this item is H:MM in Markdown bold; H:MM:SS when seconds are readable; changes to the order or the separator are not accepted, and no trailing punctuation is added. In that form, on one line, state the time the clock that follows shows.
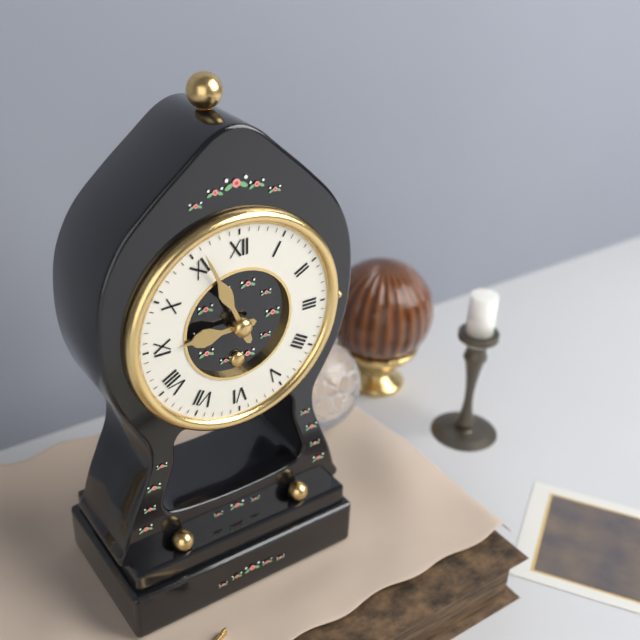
**8:56**
